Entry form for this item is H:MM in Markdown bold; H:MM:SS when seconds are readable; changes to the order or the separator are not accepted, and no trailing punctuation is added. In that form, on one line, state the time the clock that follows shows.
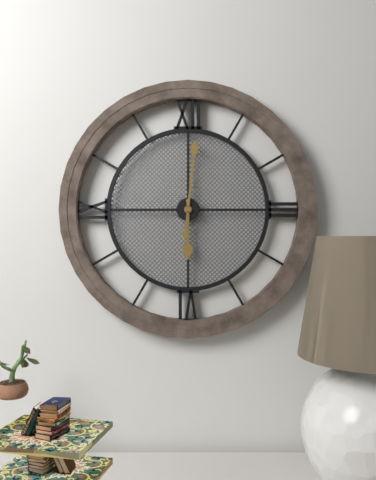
**6:01**
